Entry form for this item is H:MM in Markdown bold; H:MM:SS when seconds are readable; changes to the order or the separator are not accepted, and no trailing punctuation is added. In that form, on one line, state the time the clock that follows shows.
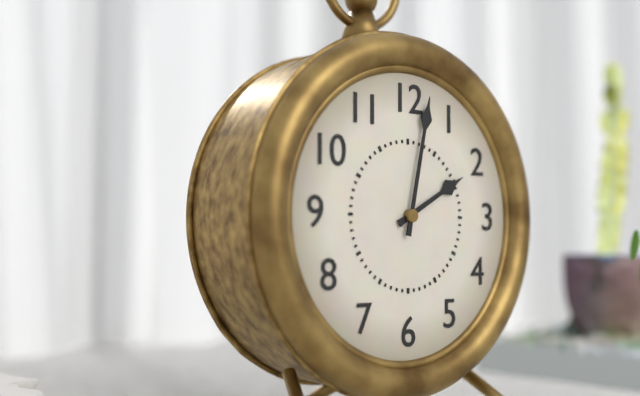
**2:02**
